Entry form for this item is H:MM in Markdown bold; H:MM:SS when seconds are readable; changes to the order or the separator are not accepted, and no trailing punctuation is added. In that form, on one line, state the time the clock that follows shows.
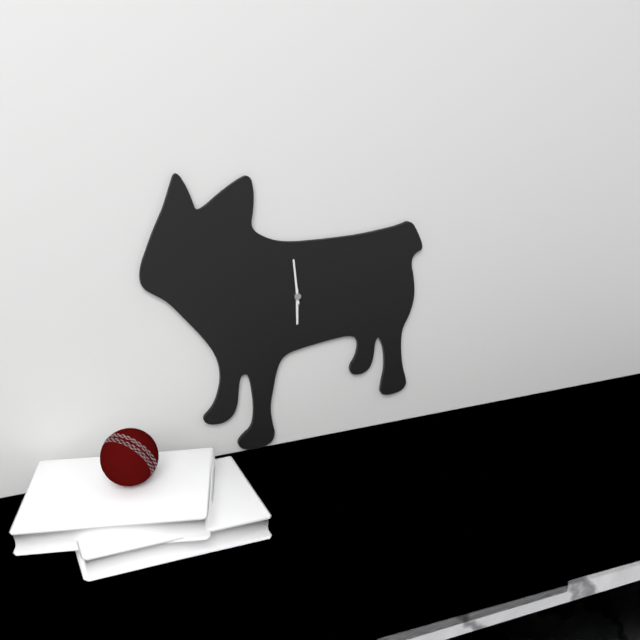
**5:59**
